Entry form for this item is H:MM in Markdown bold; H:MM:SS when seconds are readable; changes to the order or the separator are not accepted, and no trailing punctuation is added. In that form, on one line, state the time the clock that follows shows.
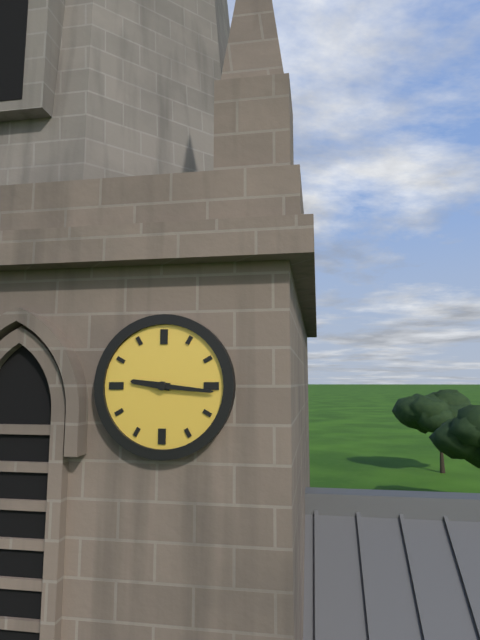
**9:16**
